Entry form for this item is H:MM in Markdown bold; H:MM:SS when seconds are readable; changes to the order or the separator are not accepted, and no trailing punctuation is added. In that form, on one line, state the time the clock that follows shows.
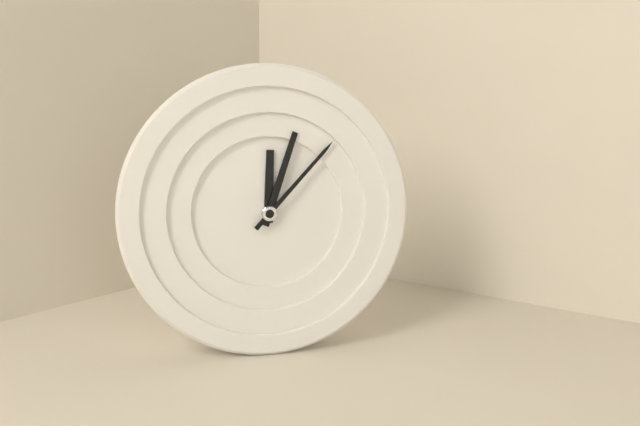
**12:03:07**
